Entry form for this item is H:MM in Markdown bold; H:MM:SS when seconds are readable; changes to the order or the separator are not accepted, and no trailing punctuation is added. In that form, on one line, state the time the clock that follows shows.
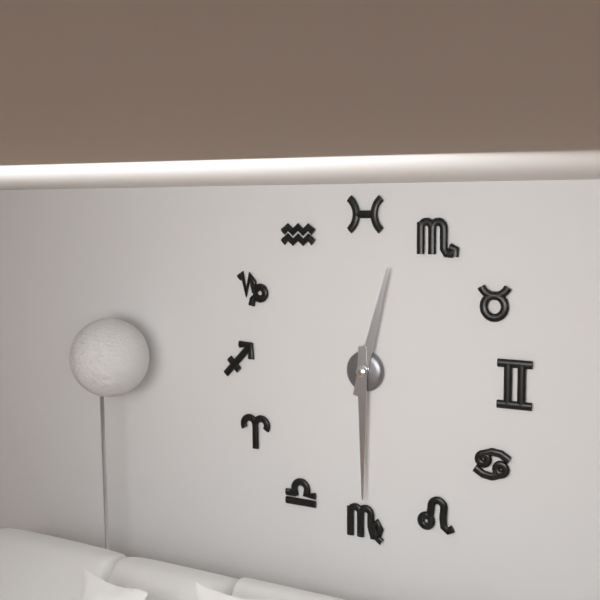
**12:30**
